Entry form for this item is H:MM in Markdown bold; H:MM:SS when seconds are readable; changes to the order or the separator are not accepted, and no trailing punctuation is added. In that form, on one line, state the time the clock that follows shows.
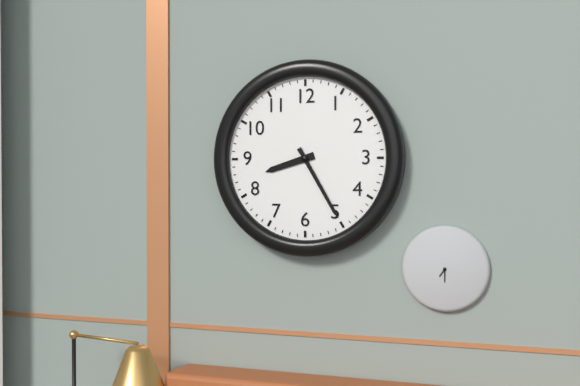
**8:25**
